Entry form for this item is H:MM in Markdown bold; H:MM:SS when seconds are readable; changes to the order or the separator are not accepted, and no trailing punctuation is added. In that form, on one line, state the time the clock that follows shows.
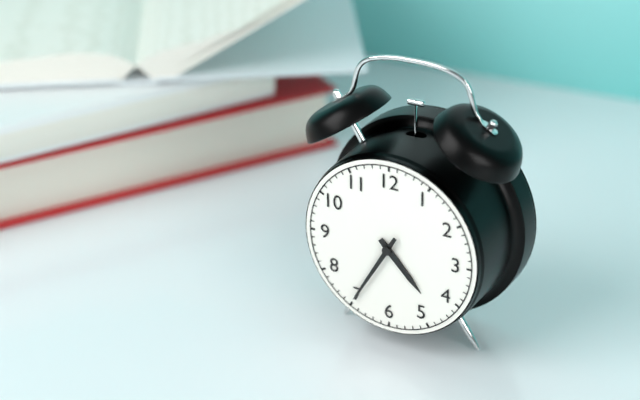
**4:35**
